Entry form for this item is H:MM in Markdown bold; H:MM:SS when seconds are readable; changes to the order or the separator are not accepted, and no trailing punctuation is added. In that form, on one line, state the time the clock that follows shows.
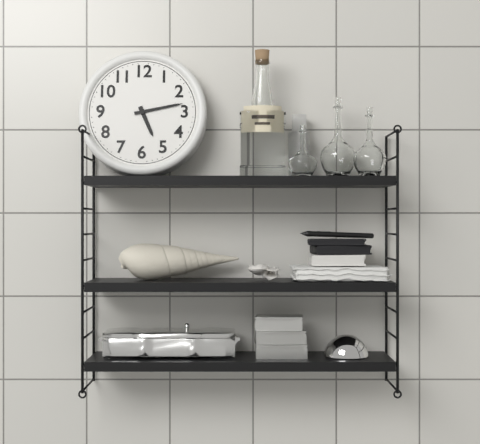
**5:13**
